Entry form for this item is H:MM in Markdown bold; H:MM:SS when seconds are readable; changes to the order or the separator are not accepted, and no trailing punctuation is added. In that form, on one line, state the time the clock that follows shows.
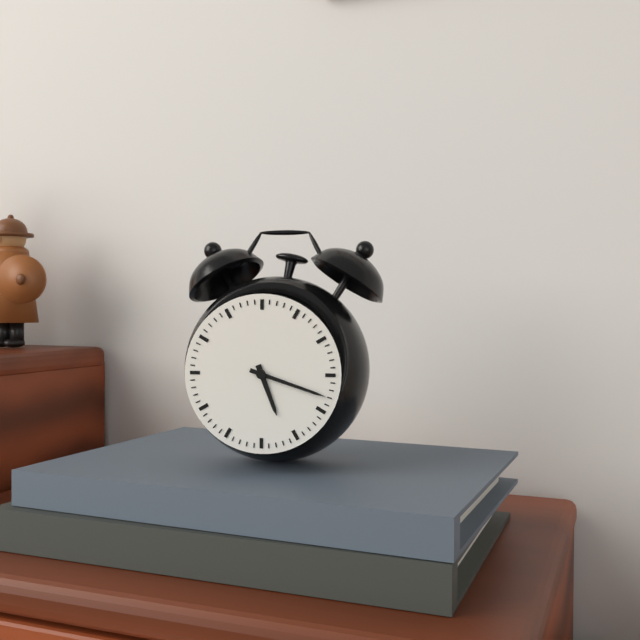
**5:18**
